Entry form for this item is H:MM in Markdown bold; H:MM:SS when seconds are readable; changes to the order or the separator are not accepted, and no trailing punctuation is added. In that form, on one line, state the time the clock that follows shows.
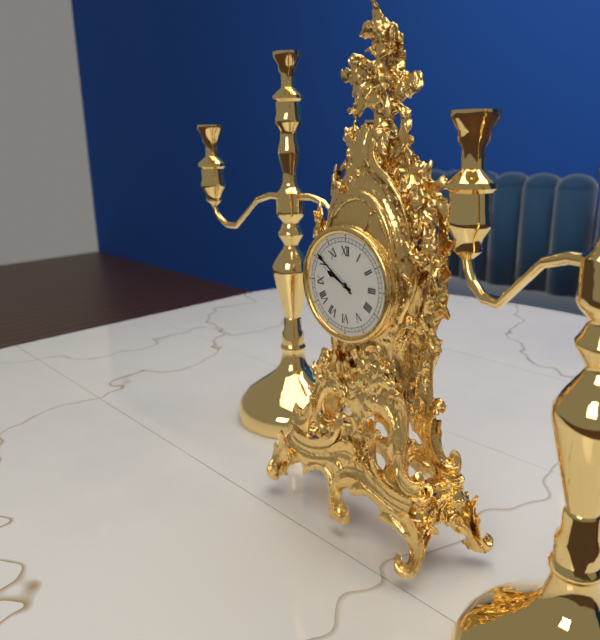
**9:51**
